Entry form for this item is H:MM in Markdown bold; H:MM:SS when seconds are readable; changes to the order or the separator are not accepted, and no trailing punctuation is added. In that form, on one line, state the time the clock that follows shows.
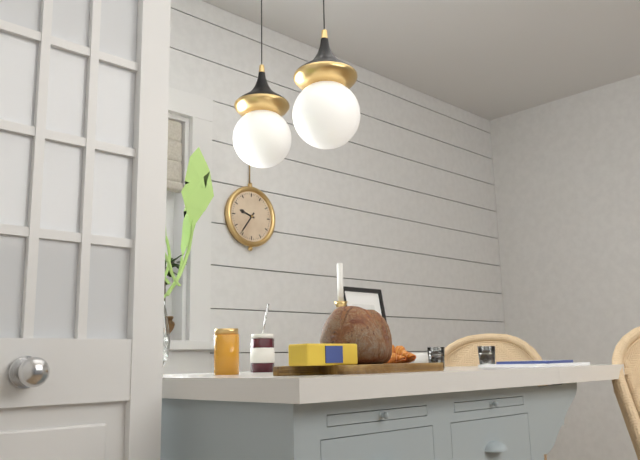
**9:36**
